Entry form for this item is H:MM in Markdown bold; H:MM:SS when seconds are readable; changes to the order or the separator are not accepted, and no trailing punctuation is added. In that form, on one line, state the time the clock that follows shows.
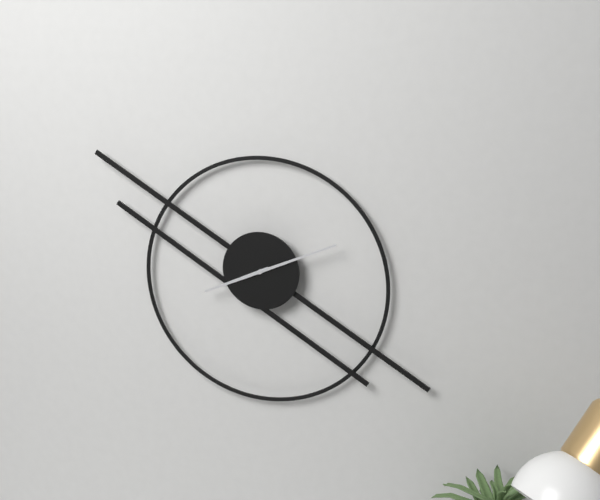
**8:11**
